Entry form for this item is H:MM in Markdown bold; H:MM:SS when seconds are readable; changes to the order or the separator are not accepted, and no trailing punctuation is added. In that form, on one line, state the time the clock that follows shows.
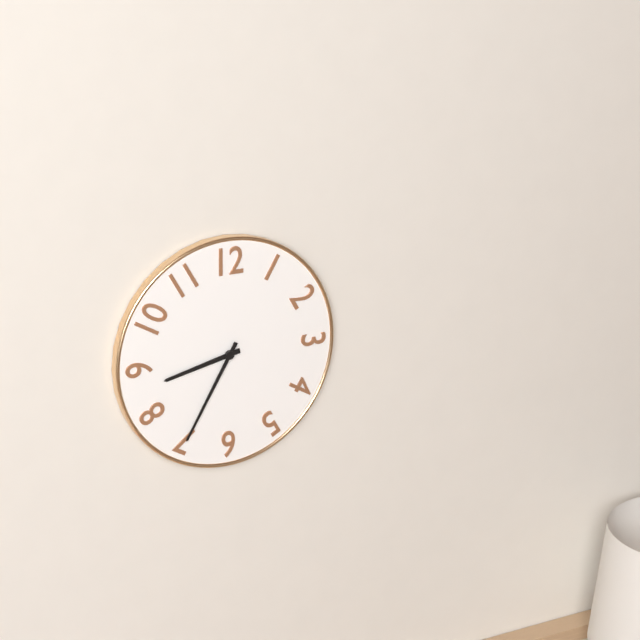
**8:35**
